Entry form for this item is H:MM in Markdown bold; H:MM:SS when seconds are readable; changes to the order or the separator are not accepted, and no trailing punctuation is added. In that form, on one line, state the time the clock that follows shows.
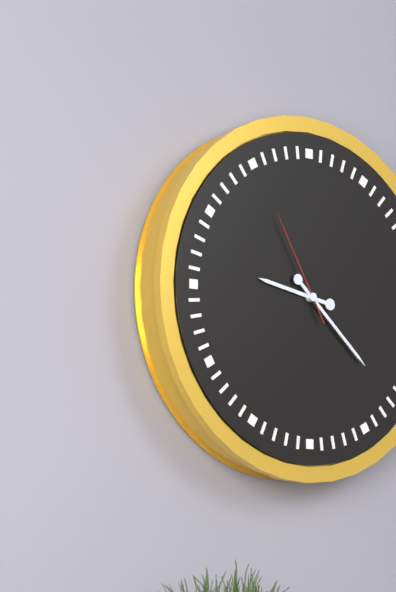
**9:22:55**
